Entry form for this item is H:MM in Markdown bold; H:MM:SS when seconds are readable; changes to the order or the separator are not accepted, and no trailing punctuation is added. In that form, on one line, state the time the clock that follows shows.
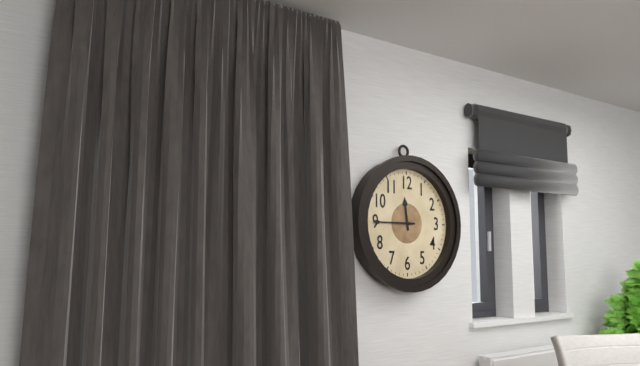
**11:45**
